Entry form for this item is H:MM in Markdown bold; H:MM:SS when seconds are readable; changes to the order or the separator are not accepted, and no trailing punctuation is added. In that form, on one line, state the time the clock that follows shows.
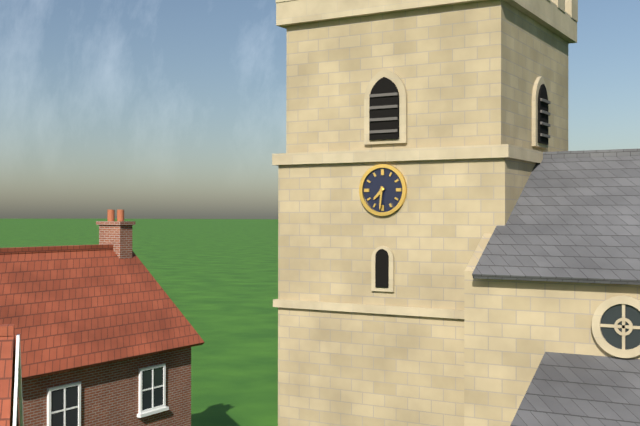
**7:31**
